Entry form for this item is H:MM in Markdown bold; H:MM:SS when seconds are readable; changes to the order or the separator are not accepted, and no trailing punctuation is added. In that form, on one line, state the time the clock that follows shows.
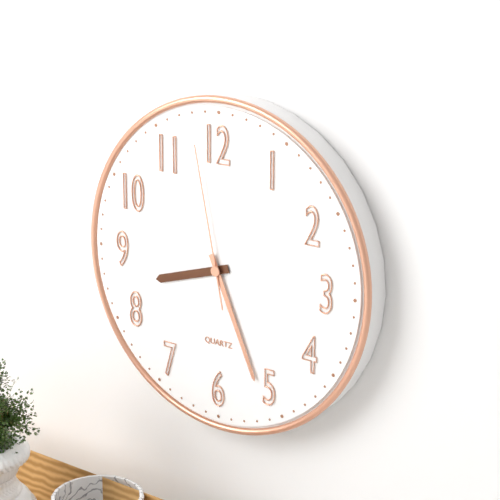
**8:26:58**
